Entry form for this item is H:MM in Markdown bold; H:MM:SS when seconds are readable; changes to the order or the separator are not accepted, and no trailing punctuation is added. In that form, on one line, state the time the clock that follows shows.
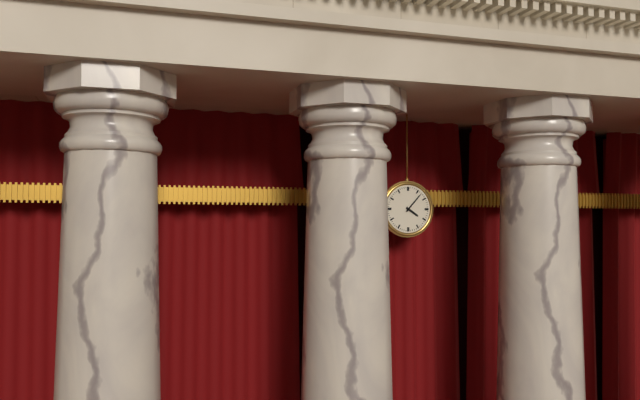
**4:07**
